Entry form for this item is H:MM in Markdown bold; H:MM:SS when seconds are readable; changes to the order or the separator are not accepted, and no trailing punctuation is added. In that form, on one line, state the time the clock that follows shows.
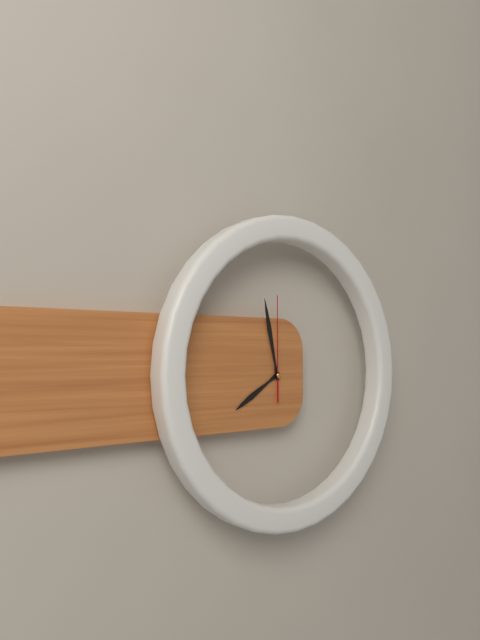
**7:58:00**
